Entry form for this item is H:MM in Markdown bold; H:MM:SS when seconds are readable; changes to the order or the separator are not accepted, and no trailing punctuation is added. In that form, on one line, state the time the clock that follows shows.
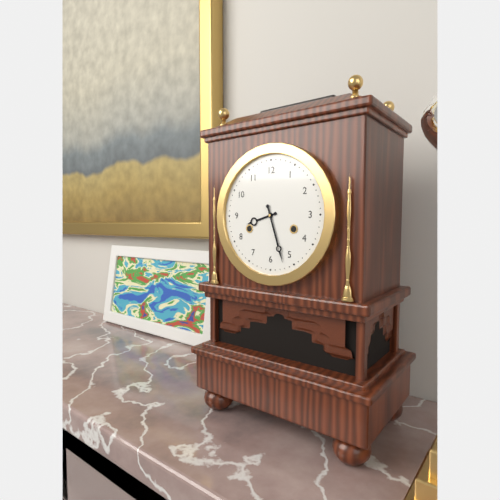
**8:27**
